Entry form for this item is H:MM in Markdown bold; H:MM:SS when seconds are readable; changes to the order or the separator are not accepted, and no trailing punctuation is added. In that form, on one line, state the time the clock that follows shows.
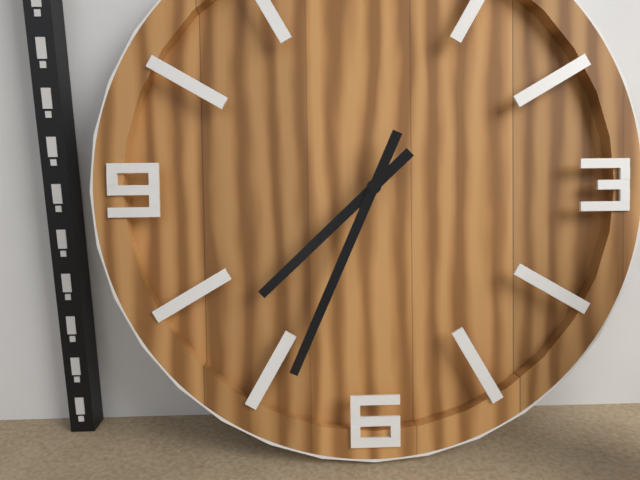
**7:34**
